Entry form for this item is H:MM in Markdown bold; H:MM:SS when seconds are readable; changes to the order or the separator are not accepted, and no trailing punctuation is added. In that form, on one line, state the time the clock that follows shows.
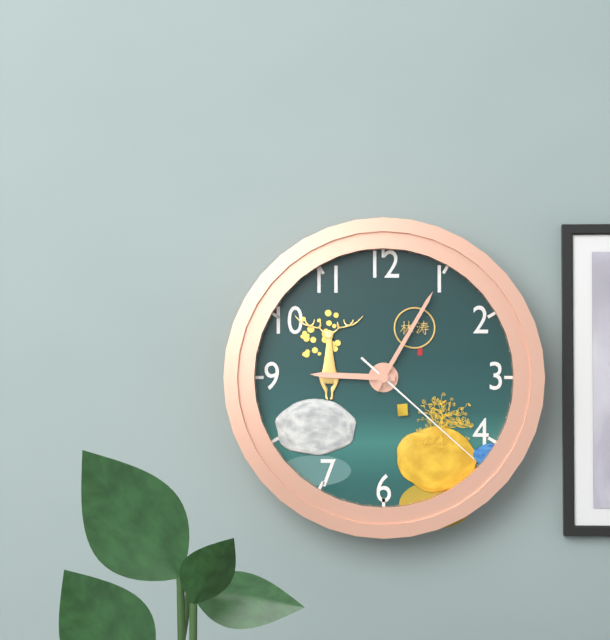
**9:05:22**
